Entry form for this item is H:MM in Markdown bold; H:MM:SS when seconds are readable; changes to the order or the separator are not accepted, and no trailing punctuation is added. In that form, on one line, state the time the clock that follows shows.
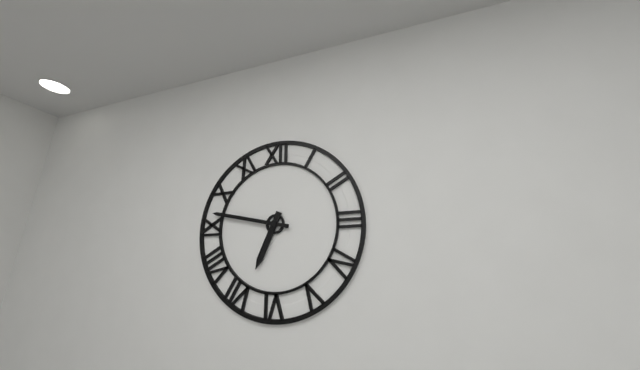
**6:47**
